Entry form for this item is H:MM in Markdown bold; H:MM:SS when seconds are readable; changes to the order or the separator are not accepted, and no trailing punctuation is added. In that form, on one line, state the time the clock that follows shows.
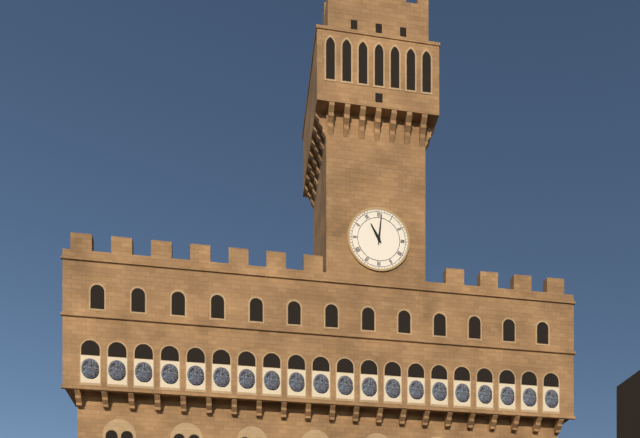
**11:01**
